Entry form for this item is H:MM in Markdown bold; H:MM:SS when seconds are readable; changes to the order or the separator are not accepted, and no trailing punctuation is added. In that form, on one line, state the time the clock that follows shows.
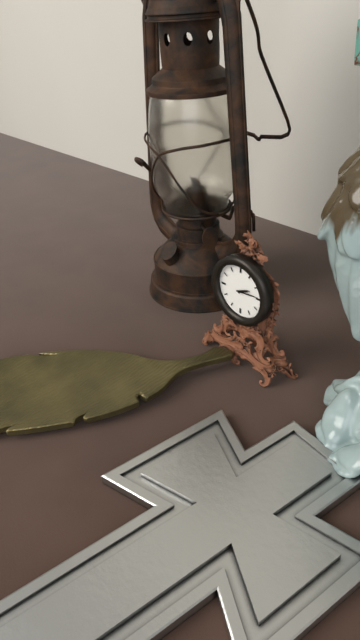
**2:14**
